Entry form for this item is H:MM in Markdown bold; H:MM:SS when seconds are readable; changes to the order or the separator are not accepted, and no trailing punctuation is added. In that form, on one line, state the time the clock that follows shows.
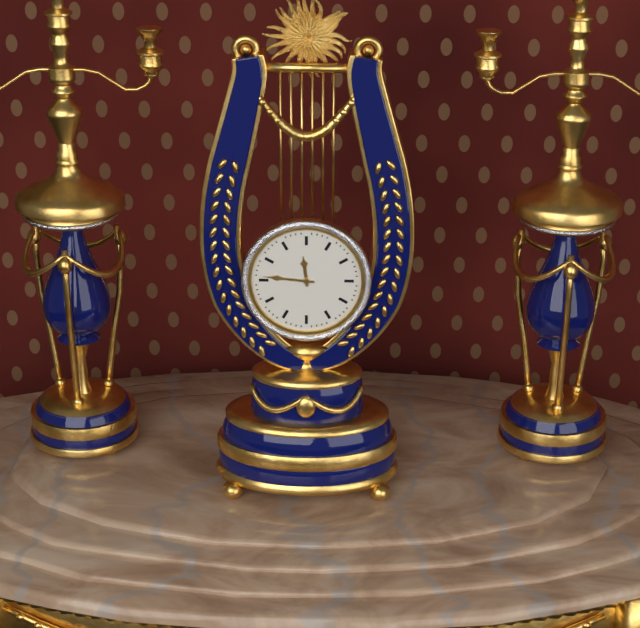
**11:46**
